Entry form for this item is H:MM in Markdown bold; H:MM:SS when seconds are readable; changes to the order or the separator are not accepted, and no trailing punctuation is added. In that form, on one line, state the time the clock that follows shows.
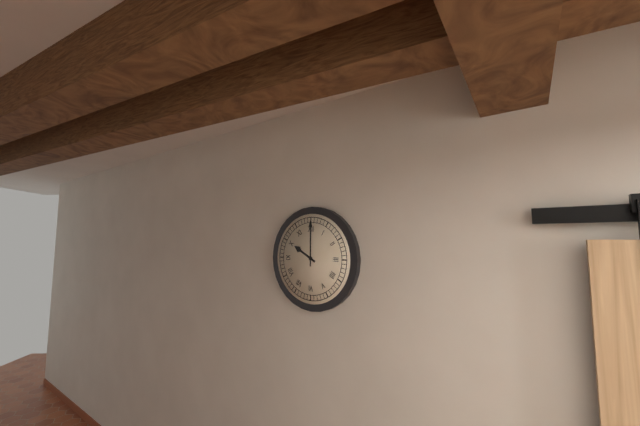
**10:00**
